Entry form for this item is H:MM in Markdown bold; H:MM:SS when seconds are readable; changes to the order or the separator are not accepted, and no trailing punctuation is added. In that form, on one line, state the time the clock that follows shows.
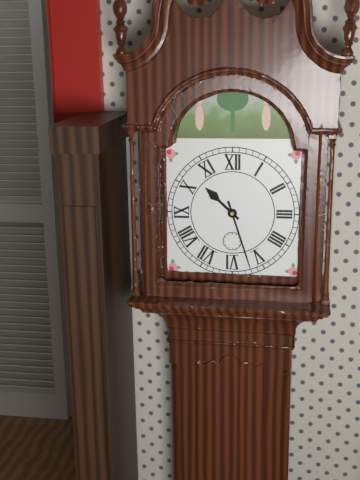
**10:27**
